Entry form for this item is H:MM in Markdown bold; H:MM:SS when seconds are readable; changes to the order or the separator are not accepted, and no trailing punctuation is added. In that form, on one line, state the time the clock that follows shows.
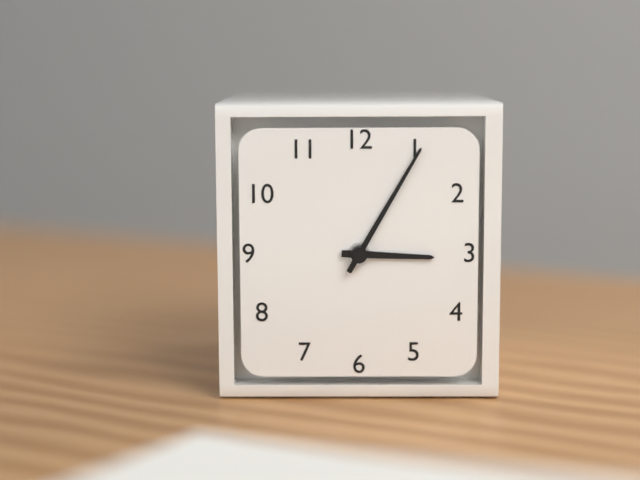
**3:05**
